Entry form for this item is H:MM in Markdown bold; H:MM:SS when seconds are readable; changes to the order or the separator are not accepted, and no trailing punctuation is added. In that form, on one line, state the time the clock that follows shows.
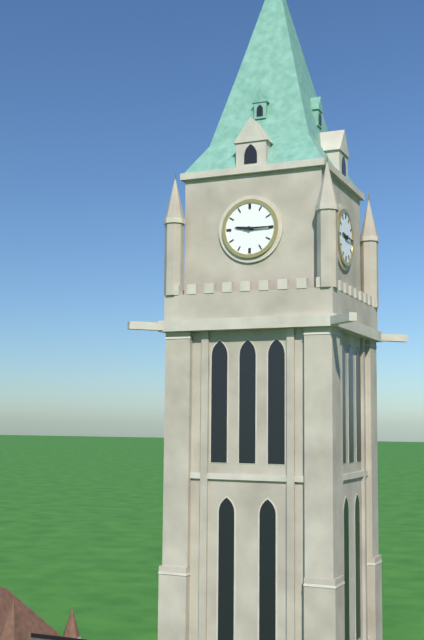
**9:15**
